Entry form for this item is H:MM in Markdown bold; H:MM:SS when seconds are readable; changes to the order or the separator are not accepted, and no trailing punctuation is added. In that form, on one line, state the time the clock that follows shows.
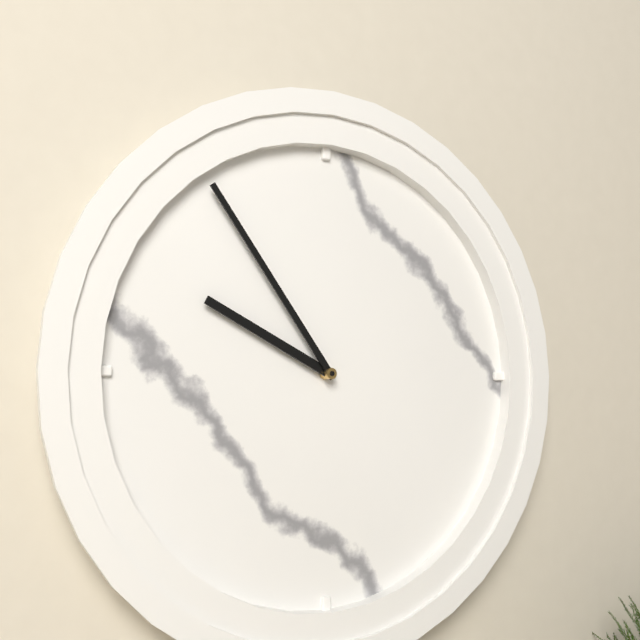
**9:54**
